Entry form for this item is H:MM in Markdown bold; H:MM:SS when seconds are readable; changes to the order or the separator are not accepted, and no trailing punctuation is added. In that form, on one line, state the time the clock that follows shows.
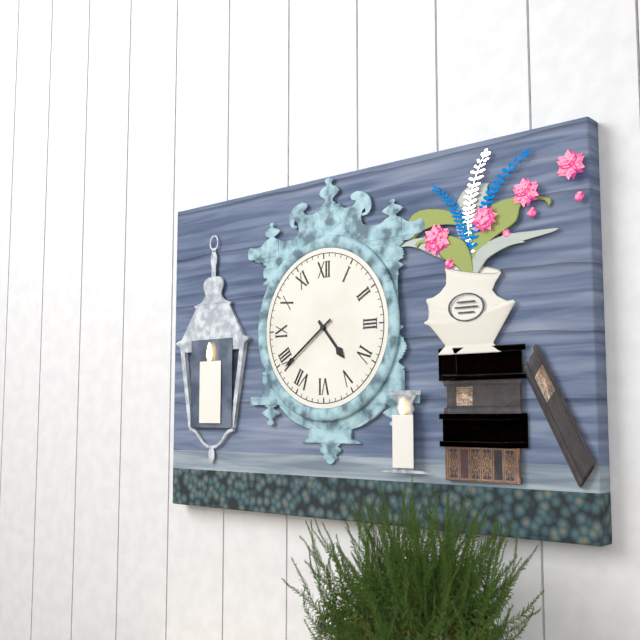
**4:39**
